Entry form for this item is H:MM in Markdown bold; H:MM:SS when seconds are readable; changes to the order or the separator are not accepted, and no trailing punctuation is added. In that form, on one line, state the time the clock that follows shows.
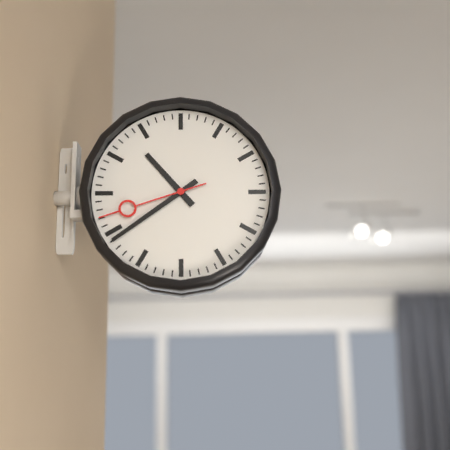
**10:39:42**
